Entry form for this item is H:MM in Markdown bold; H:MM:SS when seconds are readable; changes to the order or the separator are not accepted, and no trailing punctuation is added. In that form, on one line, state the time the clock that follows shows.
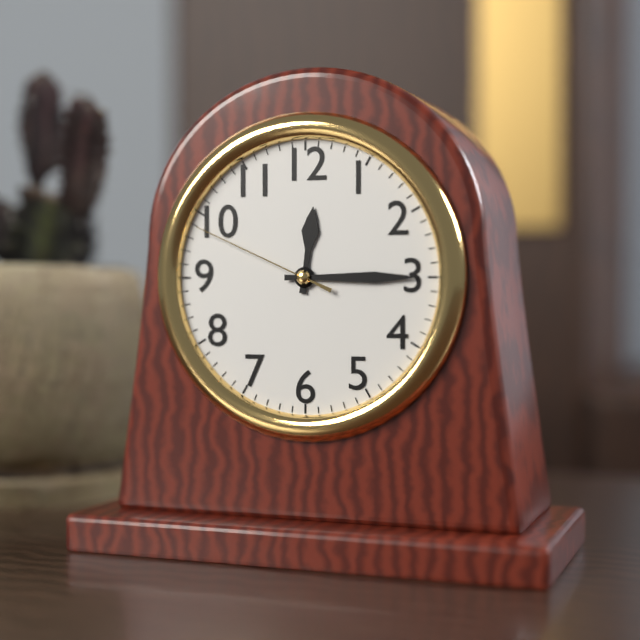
**12:15:49**
